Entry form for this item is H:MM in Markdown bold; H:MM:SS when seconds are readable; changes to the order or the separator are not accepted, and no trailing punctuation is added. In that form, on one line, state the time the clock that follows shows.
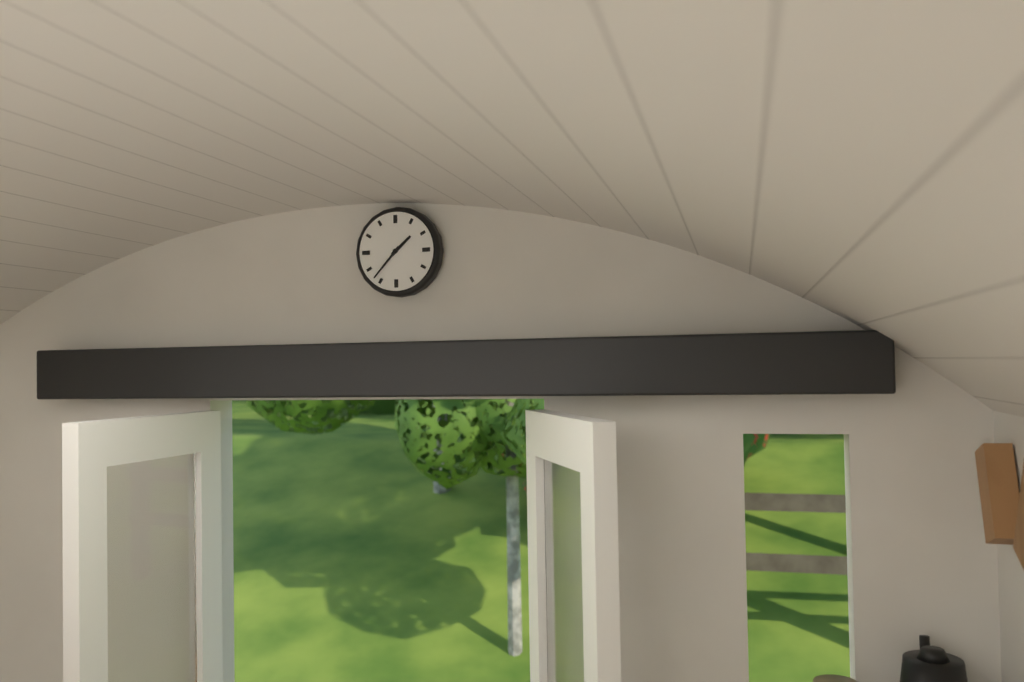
**1:37**
